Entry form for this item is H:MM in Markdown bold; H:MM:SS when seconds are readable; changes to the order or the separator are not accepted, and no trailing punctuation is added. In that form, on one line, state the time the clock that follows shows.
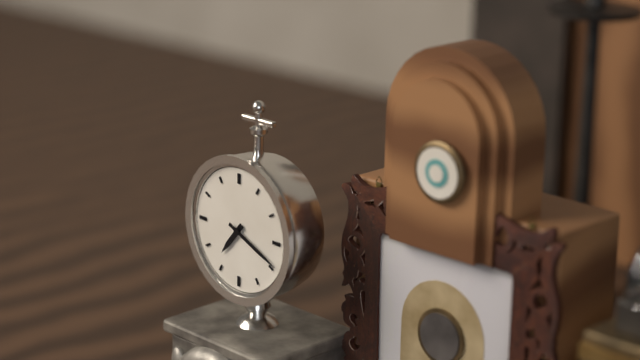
**7:19**
